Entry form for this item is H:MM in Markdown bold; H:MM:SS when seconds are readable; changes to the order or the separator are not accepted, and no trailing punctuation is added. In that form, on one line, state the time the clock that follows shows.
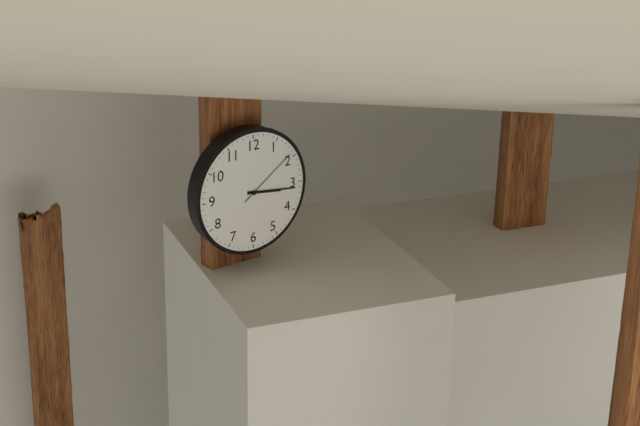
**3:16:09**
